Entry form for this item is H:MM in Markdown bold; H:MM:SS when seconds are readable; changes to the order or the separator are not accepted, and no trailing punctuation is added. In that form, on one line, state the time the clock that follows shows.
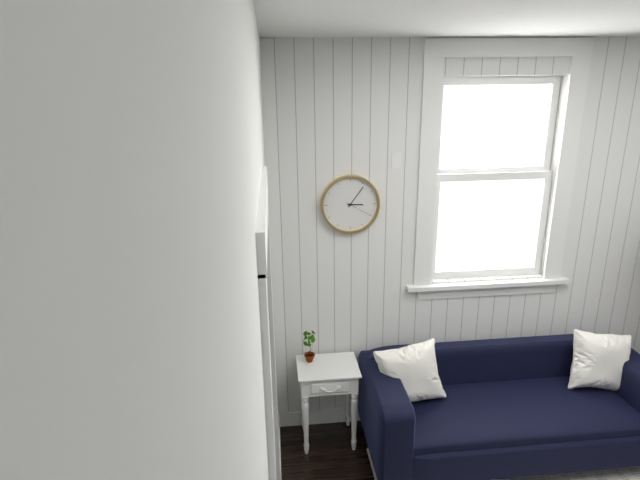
**3:06**
